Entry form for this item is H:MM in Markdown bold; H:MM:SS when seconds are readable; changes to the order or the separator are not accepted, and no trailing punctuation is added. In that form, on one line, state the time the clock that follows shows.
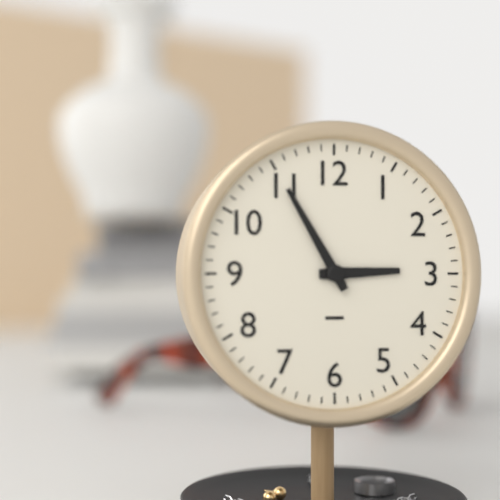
**2:55**
